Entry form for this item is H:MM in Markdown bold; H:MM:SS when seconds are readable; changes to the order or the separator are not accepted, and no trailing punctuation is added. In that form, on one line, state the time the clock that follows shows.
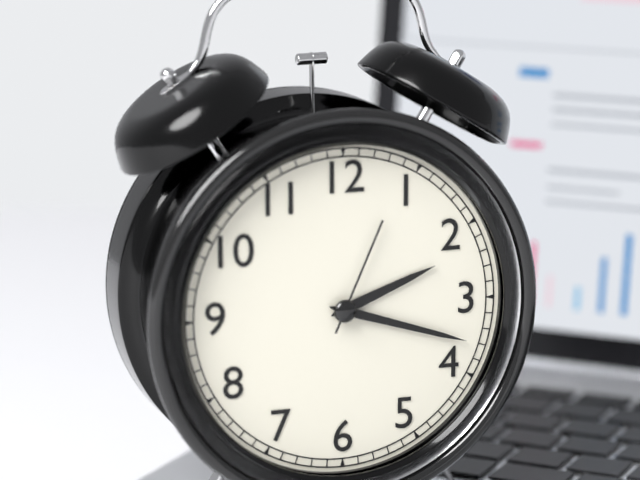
**2:18:04**
